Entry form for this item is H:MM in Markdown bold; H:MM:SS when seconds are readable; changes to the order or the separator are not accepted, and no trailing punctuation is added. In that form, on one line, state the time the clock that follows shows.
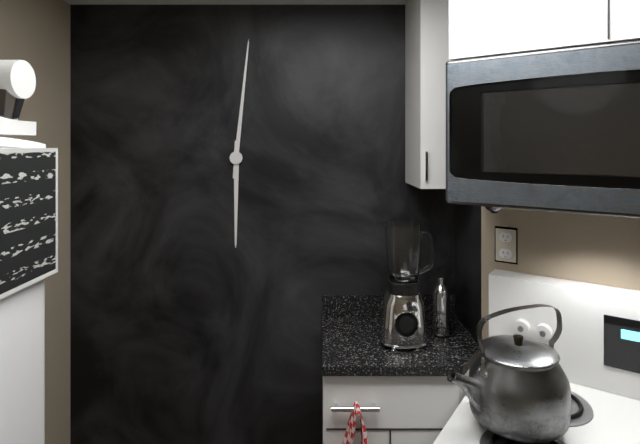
**6:01**
